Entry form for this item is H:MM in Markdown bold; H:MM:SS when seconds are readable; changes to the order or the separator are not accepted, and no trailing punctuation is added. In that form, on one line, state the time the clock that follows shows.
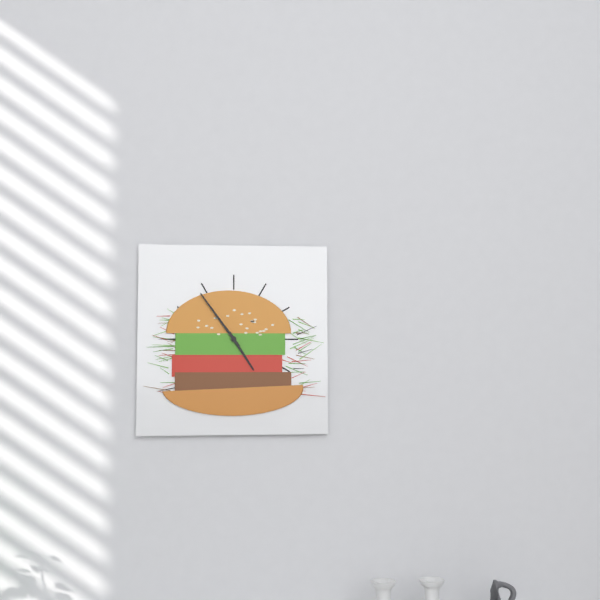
**4:54**
